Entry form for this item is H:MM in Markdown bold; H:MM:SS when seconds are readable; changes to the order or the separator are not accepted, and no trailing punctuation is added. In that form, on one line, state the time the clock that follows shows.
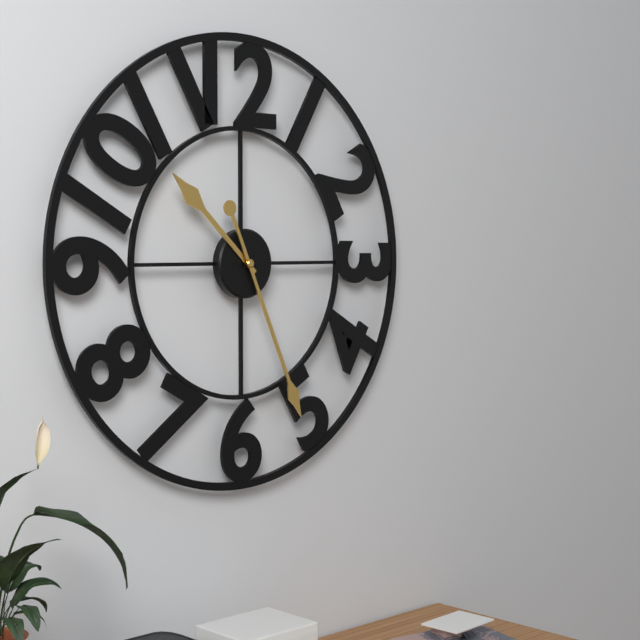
**10:26**
